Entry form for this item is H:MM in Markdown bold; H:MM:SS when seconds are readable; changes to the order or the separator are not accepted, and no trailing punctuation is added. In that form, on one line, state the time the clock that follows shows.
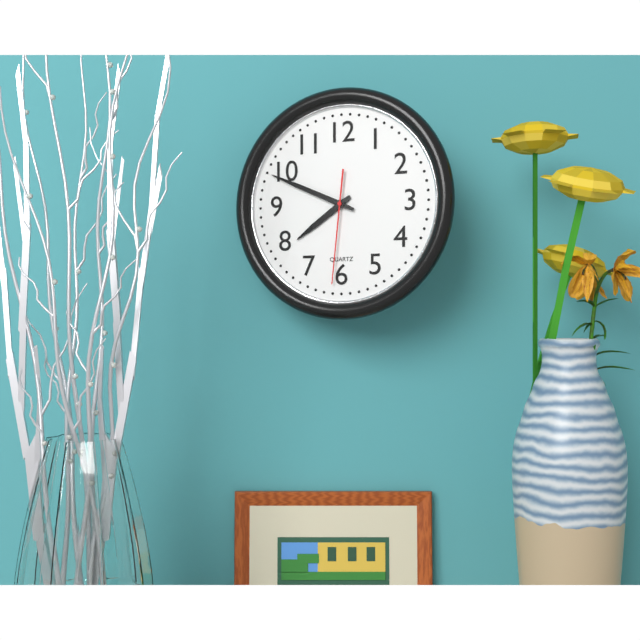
**7:49:31**
